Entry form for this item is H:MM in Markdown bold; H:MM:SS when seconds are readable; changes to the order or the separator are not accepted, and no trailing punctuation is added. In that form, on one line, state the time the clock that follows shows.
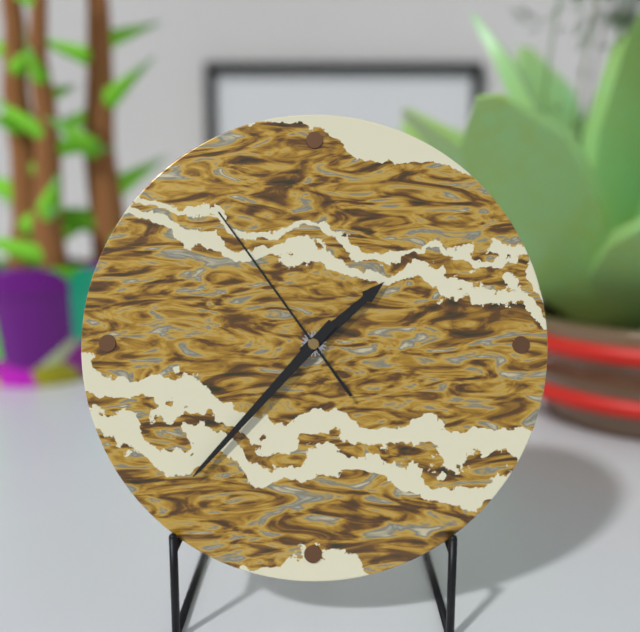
**1:37:54**
